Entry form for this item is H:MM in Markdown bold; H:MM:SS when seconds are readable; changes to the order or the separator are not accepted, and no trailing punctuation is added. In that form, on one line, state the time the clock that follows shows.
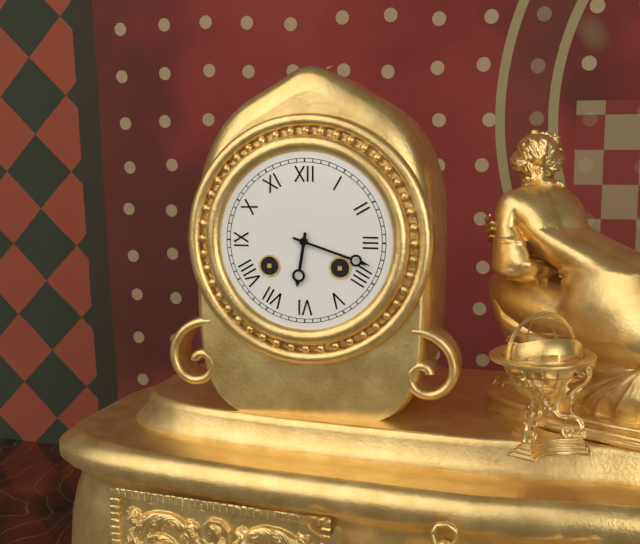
**6:18**
